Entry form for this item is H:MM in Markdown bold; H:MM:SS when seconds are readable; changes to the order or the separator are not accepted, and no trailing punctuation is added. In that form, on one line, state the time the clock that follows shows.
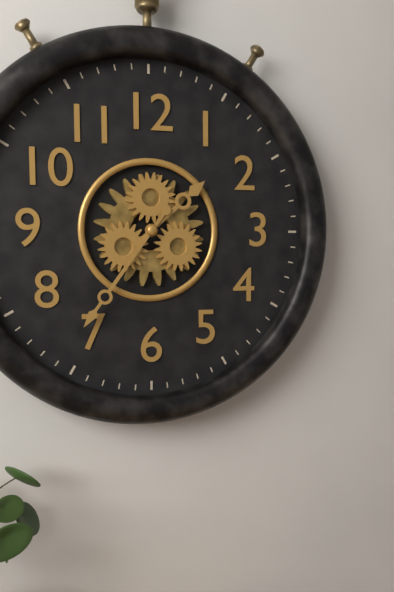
**1:36**
